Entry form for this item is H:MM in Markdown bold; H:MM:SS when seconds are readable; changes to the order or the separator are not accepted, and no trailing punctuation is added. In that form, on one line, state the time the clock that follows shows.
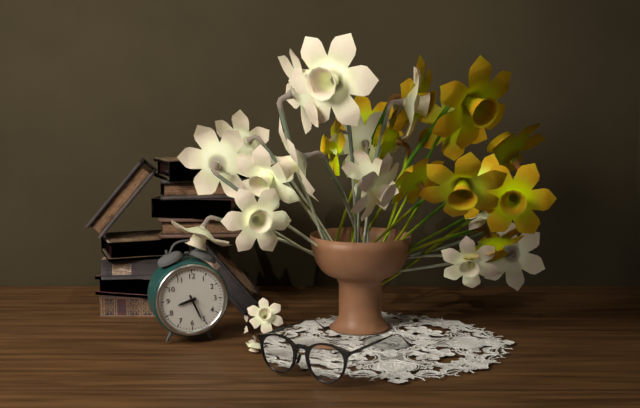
**8:26**
